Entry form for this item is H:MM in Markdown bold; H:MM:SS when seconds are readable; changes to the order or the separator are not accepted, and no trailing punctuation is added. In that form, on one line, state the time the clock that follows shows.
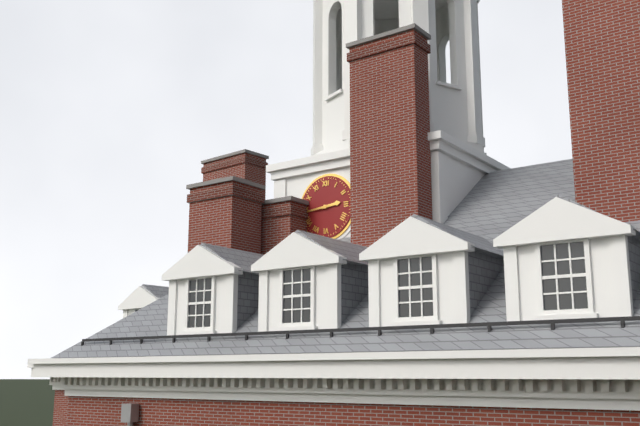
**2:44**
